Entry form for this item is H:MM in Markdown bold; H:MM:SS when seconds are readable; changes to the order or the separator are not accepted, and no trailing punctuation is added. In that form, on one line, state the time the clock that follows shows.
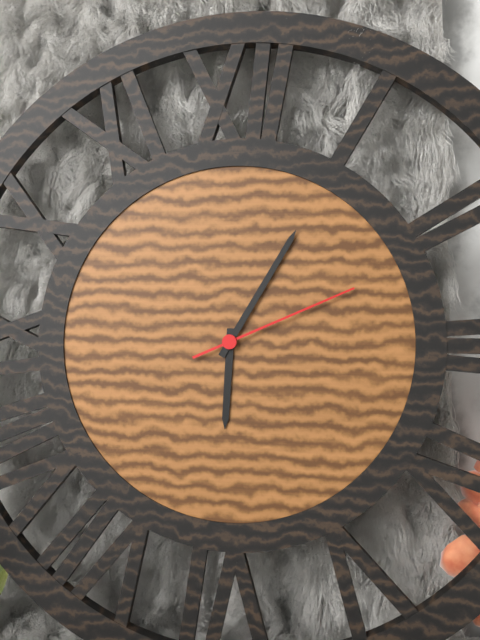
**6:05:11**
